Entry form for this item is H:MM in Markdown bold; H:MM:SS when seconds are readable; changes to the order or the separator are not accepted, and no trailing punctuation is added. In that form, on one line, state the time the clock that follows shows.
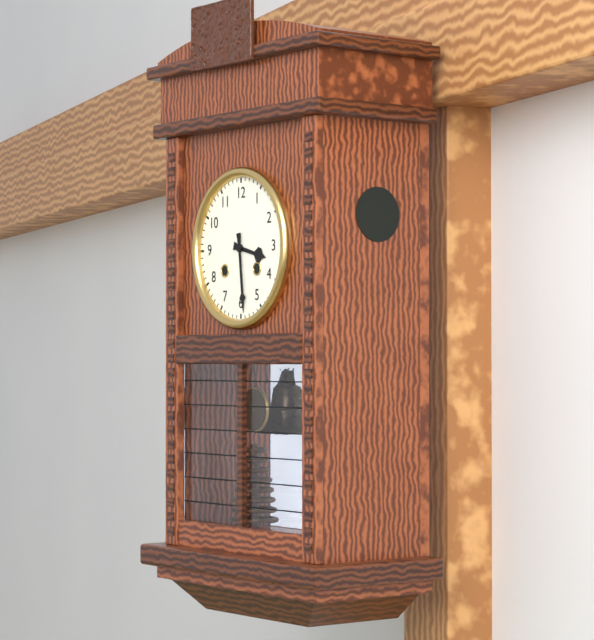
**3:29**
